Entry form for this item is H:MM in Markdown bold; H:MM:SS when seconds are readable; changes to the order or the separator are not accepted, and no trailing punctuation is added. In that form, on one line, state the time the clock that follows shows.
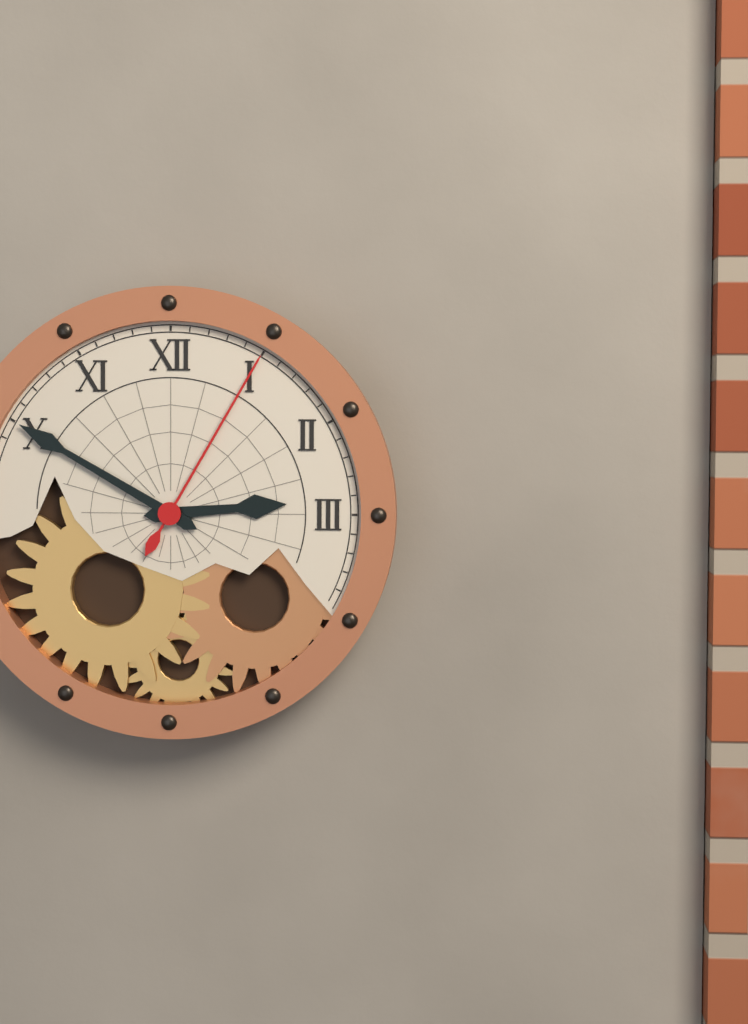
**2:50:05**
